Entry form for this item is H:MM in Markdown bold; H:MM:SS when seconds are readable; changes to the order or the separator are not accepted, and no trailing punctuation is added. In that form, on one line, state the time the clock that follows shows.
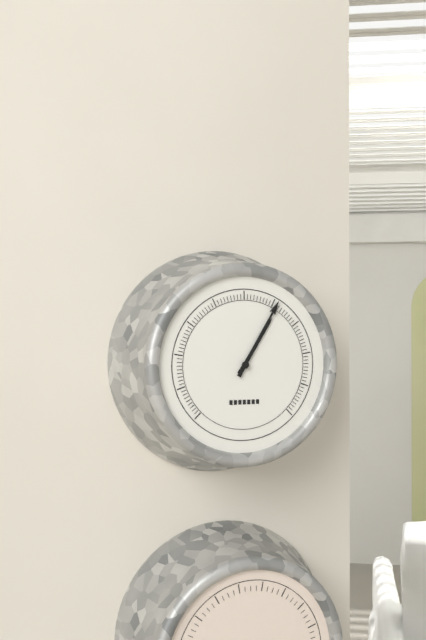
**1:05**
